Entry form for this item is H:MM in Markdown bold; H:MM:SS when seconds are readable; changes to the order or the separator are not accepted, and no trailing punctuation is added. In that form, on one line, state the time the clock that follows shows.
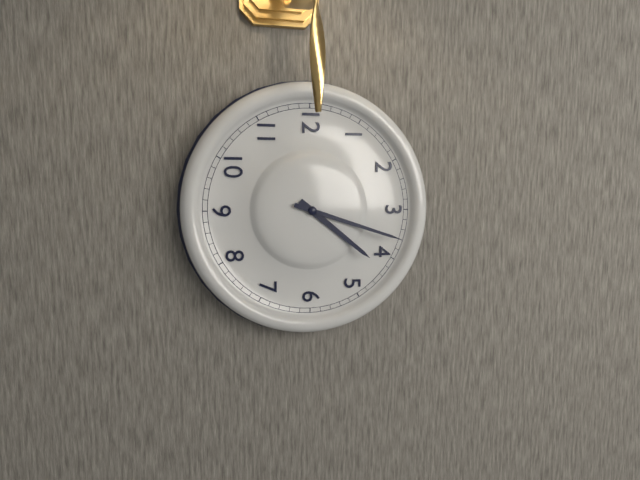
**4:18**
